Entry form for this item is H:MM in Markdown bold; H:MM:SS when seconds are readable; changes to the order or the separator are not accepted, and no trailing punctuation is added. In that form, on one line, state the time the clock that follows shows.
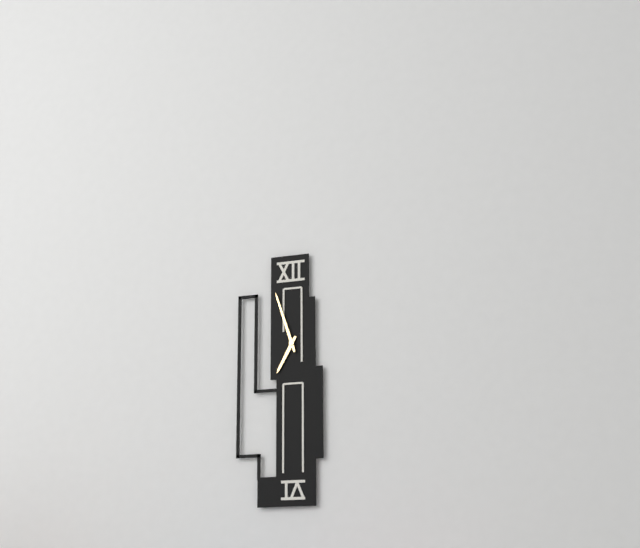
**6:57**
